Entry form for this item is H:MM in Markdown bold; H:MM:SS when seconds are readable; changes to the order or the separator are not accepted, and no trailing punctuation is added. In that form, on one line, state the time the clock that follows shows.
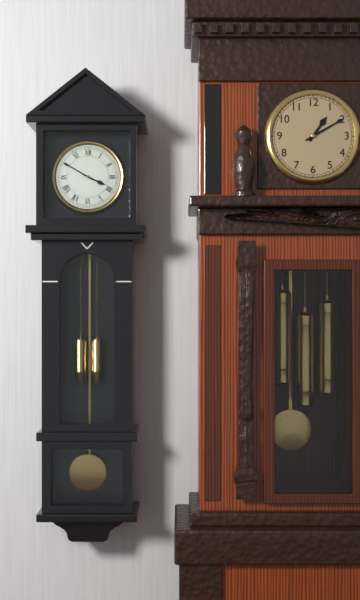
**3:50**
